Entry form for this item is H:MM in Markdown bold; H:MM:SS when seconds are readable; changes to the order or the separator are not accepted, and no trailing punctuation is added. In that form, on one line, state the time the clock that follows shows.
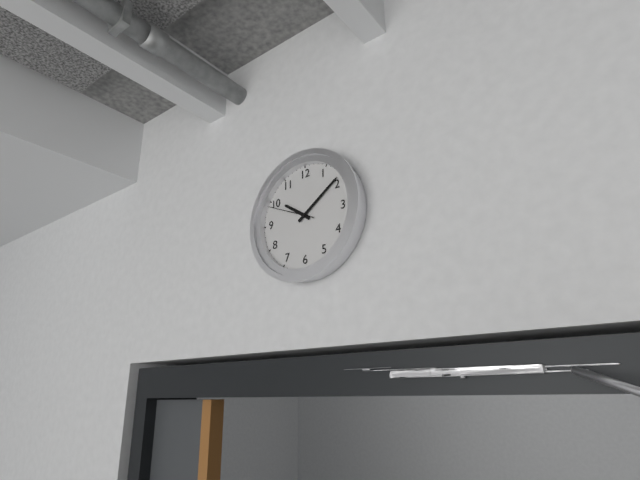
**10:09**
